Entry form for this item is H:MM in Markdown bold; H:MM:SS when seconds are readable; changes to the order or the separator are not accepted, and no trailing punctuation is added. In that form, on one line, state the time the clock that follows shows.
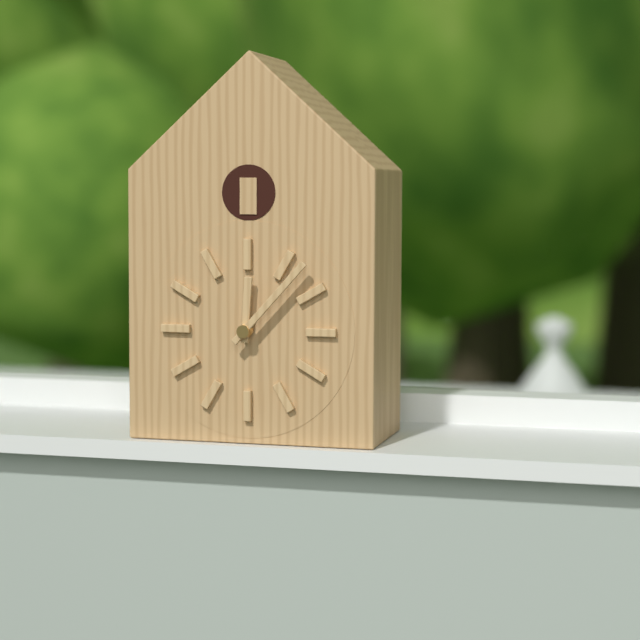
**12:07**
